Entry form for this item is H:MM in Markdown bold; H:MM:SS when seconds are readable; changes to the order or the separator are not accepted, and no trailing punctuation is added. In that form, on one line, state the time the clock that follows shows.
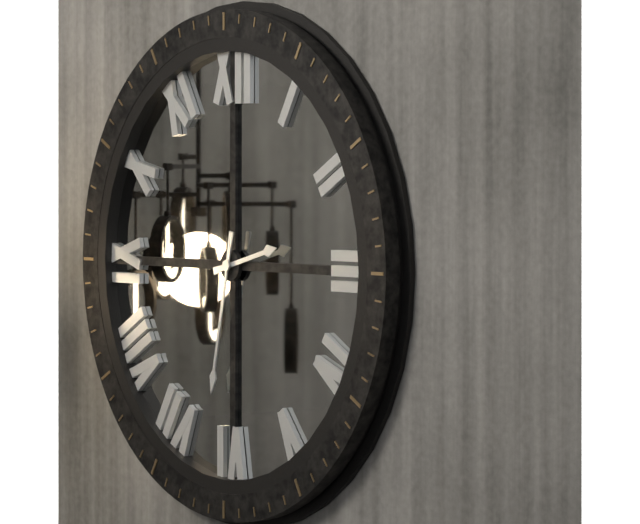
**2:32**
